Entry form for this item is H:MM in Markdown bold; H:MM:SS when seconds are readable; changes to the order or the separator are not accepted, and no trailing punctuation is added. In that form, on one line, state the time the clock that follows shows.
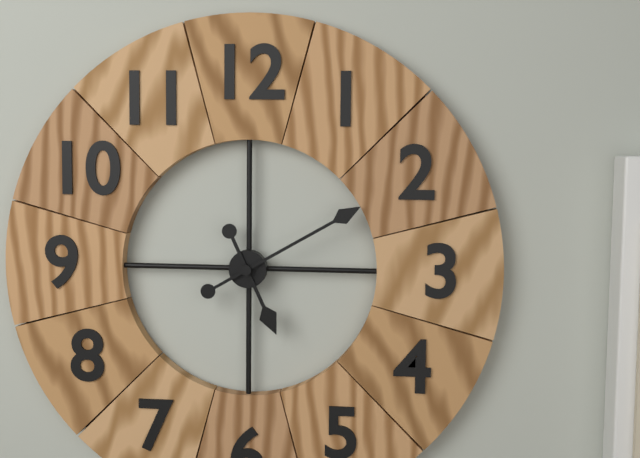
**5:10**
